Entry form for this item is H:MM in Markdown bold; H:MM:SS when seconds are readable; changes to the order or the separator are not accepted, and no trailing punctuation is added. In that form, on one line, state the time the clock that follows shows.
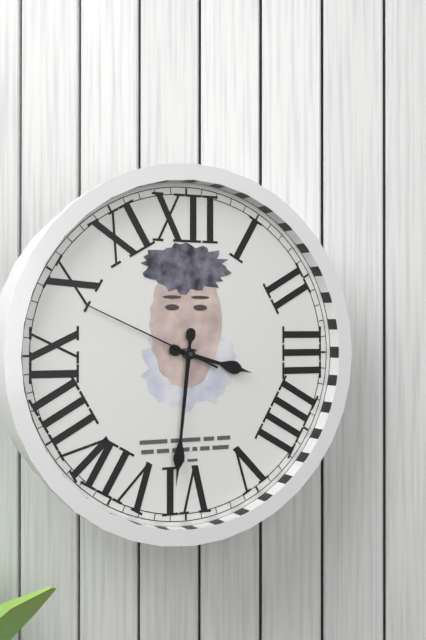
**3:31:49**
